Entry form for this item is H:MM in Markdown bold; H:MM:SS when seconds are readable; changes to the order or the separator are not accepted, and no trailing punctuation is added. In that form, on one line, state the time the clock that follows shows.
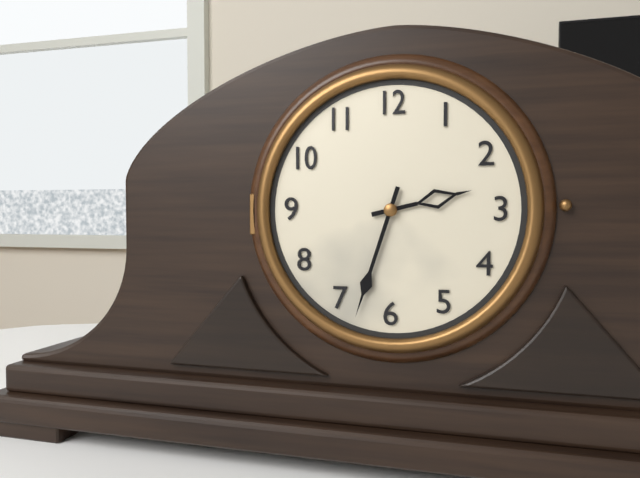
**2:33**
